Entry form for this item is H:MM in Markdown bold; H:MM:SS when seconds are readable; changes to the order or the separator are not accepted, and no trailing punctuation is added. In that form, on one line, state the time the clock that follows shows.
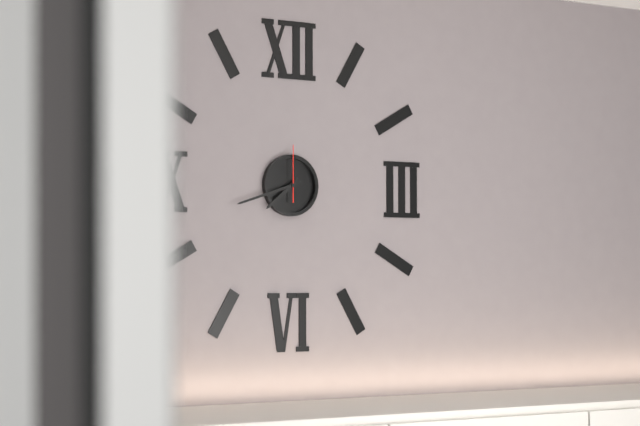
**7:42:00**
